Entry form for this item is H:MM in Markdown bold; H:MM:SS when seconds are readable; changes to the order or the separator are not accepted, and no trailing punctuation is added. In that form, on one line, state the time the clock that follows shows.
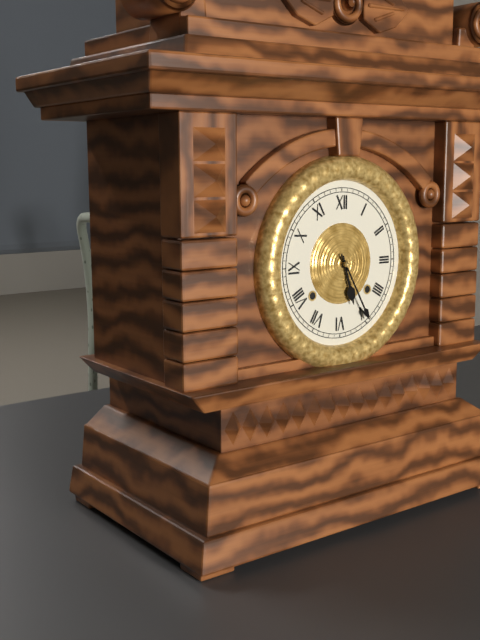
**5:25**
